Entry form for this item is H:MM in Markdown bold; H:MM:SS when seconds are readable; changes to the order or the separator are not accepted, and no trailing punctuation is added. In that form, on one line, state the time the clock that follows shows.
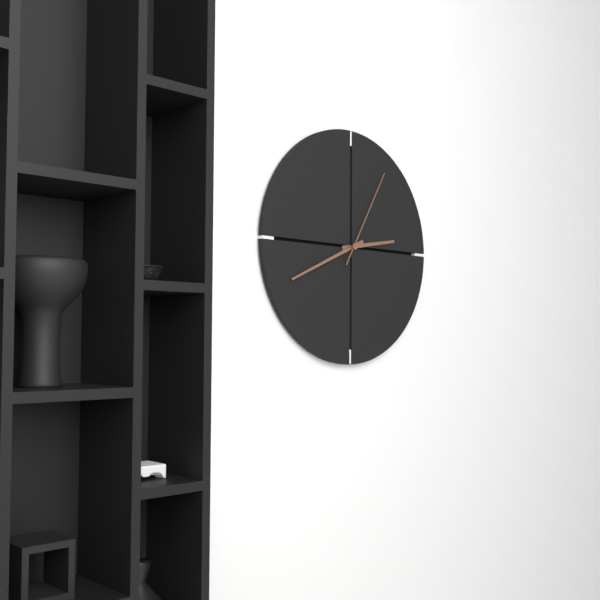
**2:41:05**
